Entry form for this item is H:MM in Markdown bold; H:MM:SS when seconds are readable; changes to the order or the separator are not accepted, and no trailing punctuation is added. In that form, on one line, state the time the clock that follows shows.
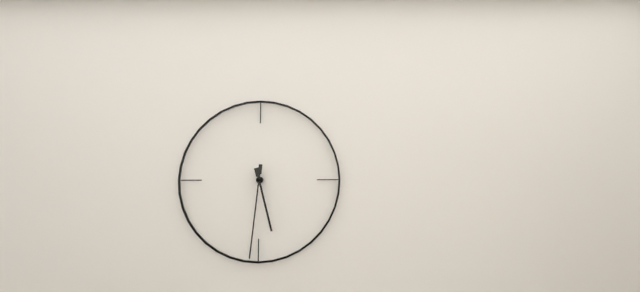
**5:31**
